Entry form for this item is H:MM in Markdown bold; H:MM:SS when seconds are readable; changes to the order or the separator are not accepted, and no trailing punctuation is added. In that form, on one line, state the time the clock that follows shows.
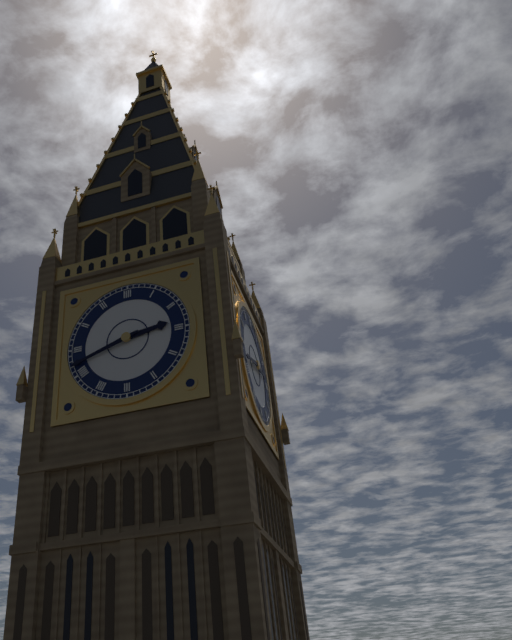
**2:42**
